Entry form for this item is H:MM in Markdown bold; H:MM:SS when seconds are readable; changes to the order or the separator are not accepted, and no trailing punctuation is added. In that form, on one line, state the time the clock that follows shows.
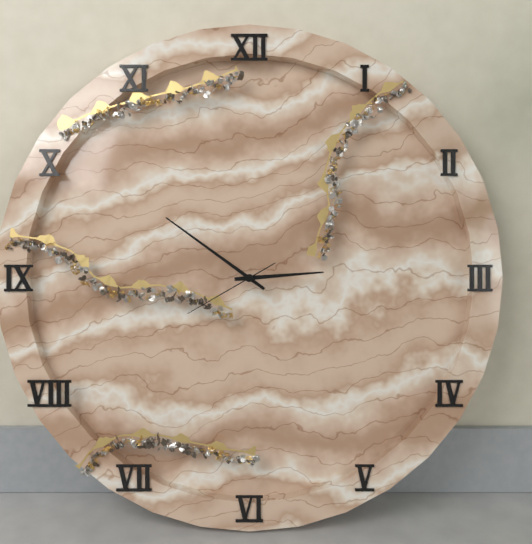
**2:51:40**
